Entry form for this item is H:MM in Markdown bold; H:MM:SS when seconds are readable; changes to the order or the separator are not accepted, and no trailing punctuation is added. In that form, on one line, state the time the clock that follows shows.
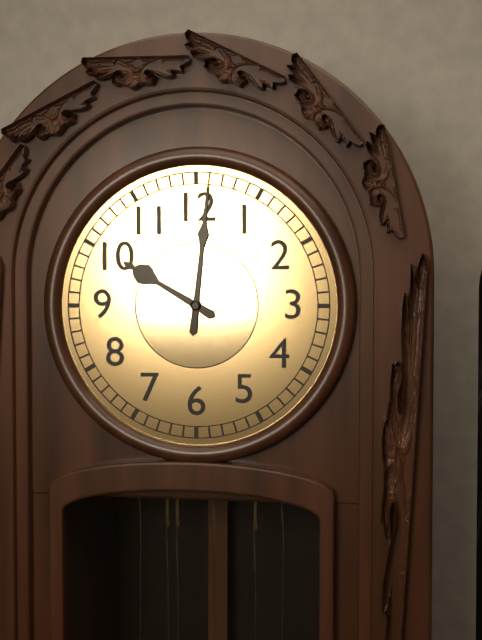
**10:01**
